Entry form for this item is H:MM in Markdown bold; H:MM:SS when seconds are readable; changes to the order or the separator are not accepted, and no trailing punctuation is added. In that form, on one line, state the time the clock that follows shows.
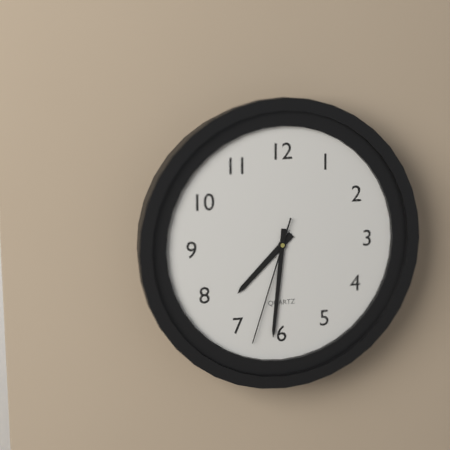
**7:31:33**
